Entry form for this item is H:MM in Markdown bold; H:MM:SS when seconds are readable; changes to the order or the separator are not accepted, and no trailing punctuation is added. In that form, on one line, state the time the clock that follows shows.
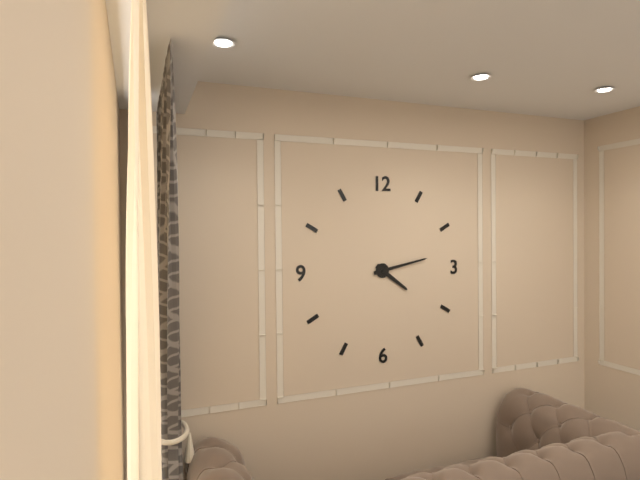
**4:13**
